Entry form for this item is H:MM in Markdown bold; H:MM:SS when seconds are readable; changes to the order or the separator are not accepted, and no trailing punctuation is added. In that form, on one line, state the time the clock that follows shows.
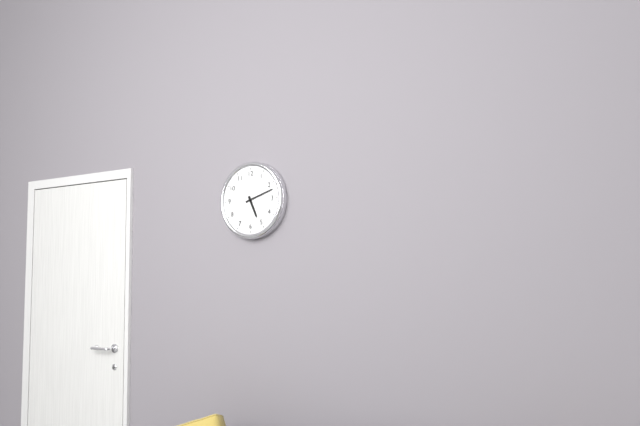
**5:12**
